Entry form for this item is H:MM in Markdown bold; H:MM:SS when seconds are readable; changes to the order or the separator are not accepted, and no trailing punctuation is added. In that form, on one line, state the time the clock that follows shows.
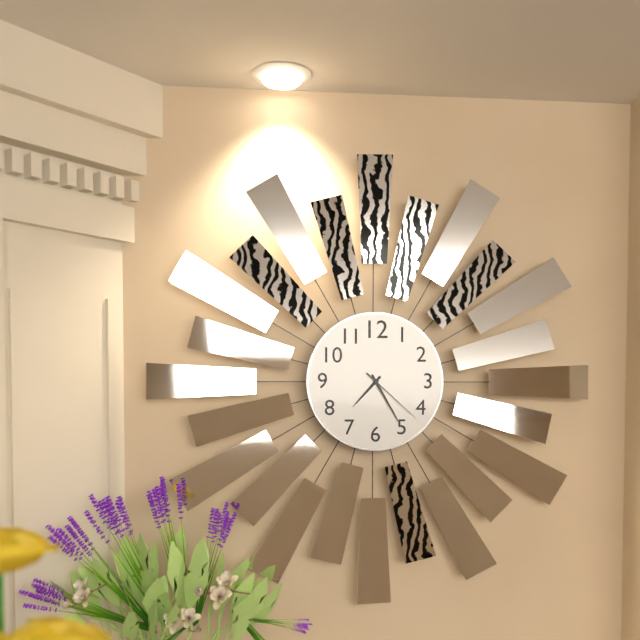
**7:25:22**
